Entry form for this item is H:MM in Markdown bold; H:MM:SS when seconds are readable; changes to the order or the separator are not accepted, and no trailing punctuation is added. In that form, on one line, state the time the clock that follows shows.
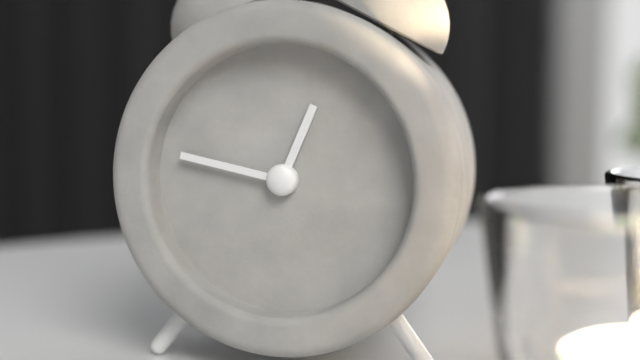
**12:47**
